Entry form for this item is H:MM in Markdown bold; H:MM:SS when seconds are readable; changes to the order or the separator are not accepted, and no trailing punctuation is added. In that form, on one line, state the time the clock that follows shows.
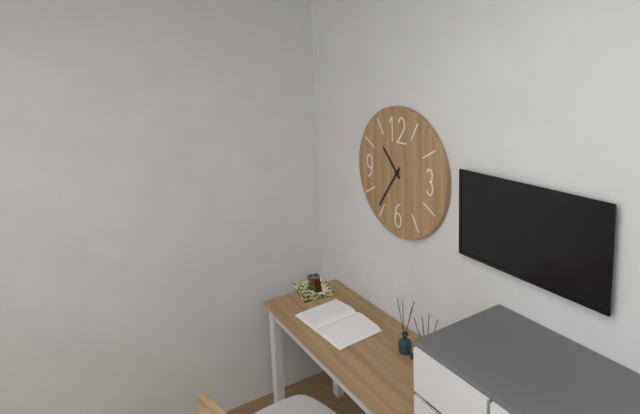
**10:36**
